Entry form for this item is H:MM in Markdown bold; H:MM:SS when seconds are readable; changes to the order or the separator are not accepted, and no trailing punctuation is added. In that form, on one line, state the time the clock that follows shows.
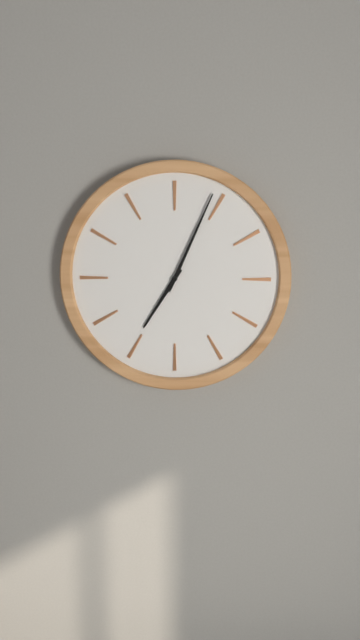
**7:04**
